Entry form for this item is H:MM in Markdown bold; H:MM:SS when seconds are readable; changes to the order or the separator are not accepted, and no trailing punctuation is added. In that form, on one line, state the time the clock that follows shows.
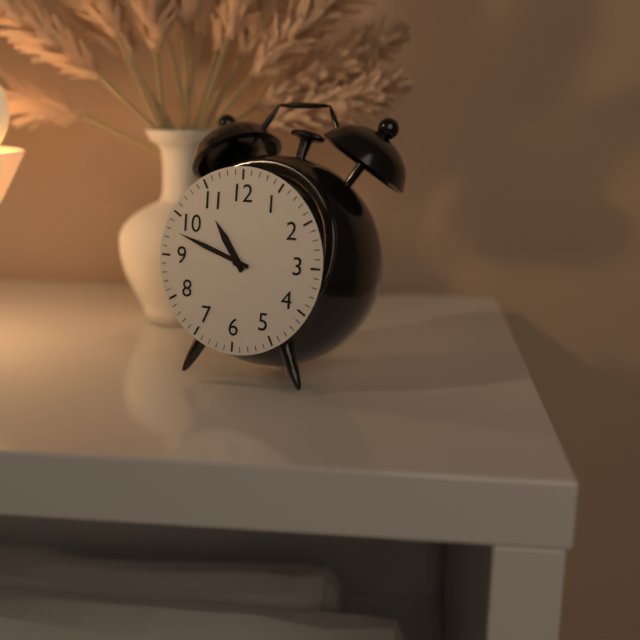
**10:48**
